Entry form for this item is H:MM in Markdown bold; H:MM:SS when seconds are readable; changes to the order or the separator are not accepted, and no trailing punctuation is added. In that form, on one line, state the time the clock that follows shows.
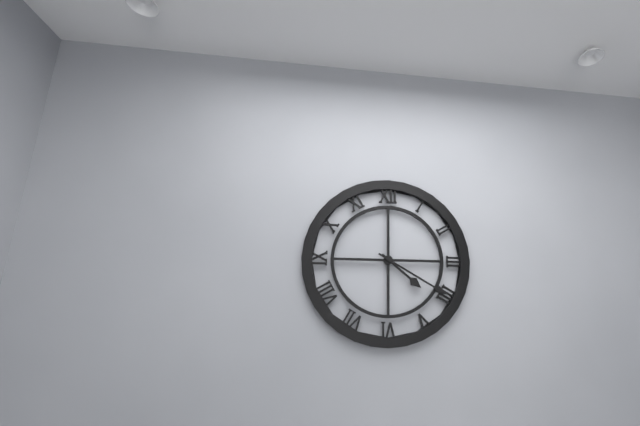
**4:20**
